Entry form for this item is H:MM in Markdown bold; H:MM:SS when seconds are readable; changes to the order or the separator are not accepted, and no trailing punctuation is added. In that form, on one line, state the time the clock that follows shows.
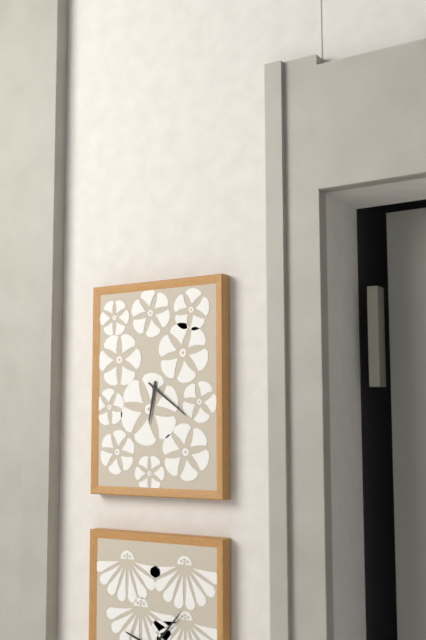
**6:21**
